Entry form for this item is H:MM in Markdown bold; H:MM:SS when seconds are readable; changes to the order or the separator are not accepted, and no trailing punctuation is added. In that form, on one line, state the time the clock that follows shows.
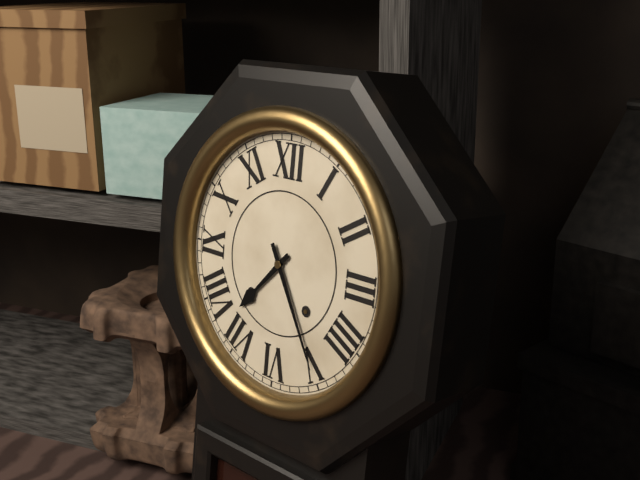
**7:25**
